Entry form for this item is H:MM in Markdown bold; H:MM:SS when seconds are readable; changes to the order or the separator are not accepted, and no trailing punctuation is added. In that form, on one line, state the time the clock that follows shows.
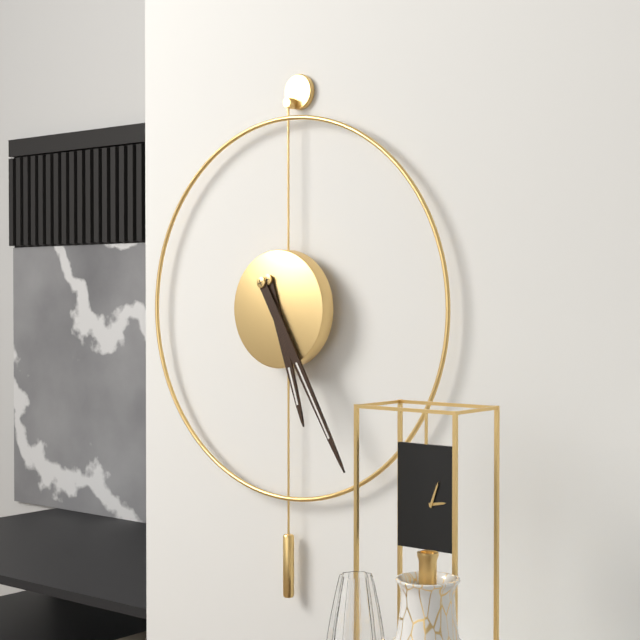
**5:25**
